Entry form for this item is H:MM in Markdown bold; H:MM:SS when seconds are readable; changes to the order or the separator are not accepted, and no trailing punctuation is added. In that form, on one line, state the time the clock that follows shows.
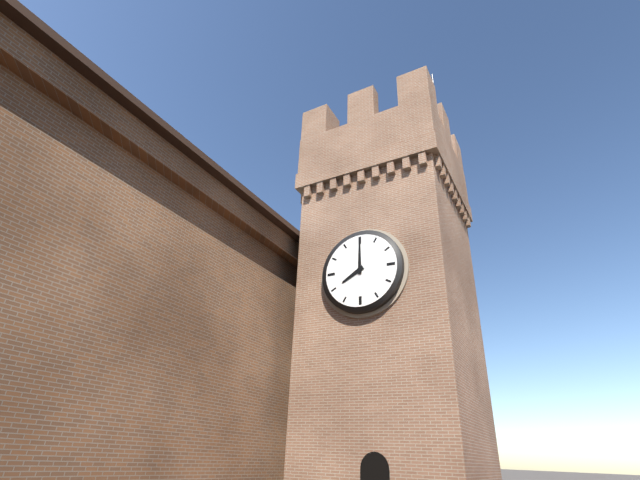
**8:00**
